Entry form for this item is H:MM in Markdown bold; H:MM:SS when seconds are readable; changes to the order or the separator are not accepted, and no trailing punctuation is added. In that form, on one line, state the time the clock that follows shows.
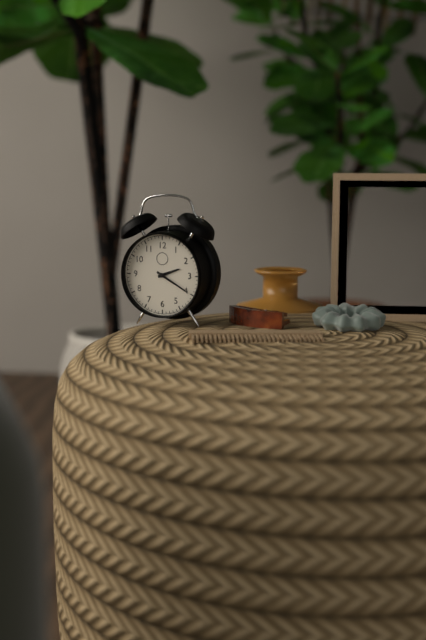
**2:20**
